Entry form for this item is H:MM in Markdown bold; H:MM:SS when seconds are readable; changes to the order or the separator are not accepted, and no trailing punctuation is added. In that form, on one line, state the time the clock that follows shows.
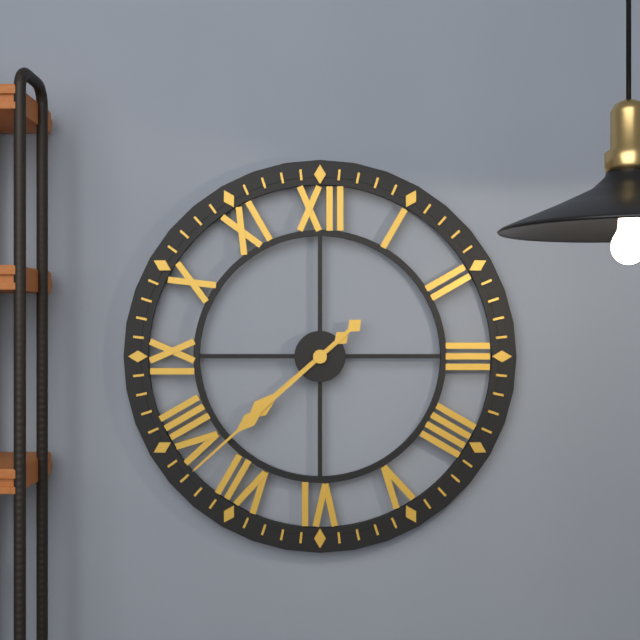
**7:38**
